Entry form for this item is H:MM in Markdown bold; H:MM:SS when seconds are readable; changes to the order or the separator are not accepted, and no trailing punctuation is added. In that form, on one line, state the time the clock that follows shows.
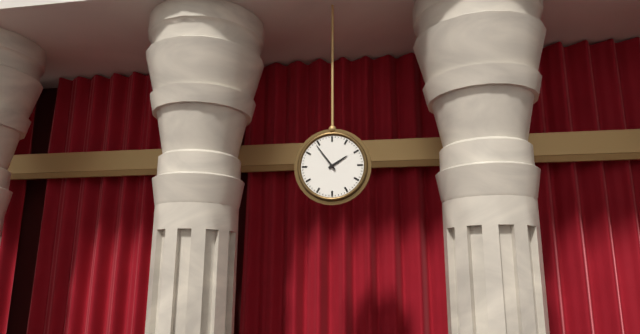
**1:54**
